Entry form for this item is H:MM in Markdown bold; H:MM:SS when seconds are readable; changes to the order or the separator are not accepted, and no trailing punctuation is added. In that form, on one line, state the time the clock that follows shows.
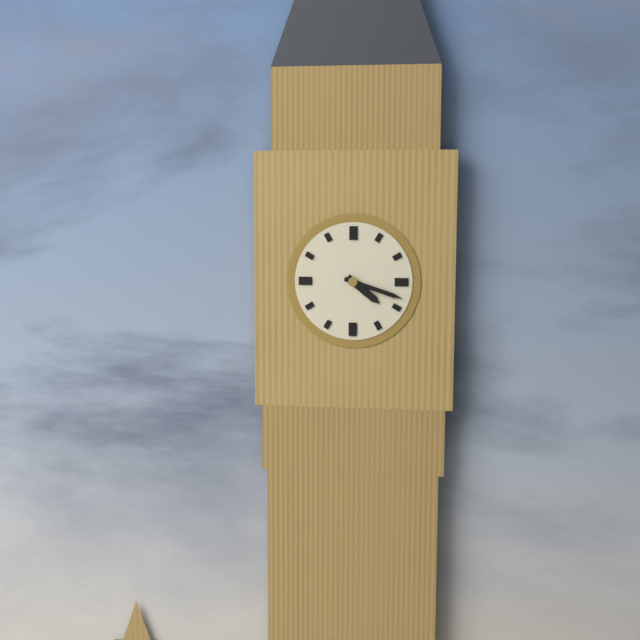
**4:18**
